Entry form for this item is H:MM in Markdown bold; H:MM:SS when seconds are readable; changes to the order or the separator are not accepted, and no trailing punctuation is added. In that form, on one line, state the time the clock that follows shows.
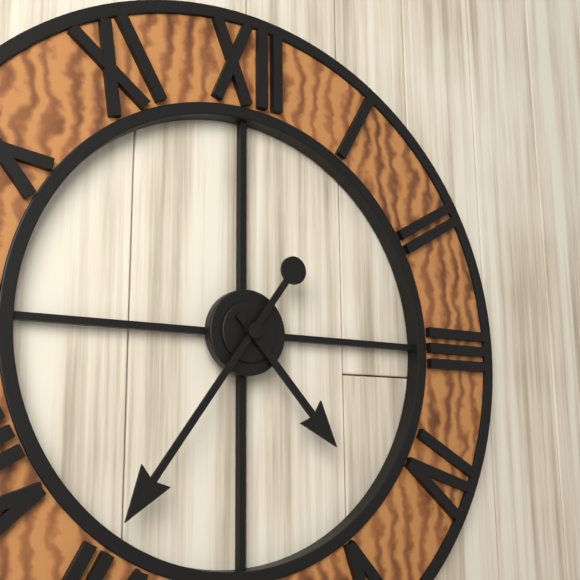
**4:36**
